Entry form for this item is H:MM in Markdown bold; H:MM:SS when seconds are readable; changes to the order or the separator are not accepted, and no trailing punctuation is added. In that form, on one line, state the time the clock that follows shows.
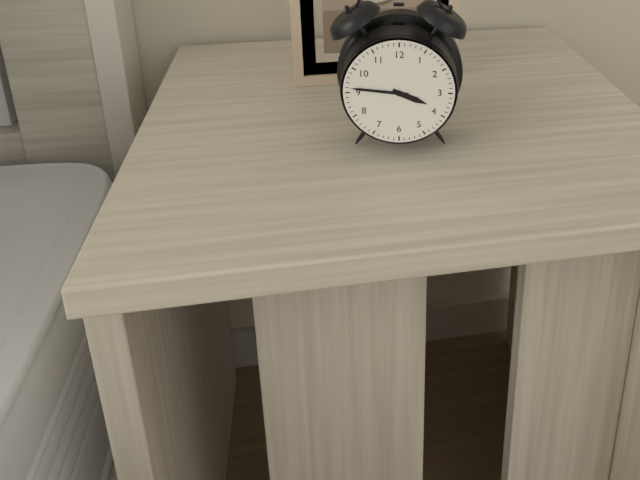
**3:46**
